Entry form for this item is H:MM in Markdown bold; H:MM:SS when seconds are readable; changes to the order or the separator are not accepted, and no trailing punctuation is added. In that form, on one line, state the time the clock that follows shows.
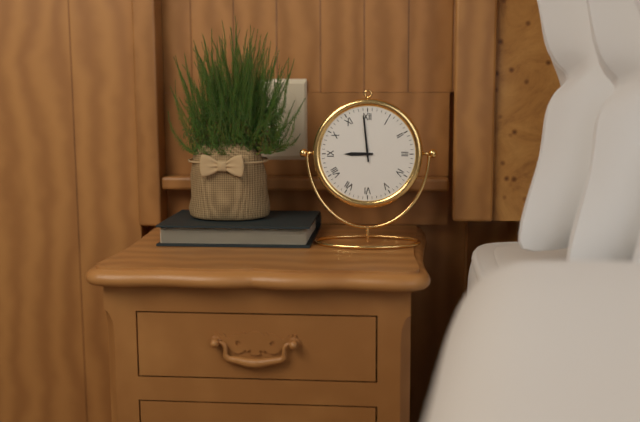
**8:59**
